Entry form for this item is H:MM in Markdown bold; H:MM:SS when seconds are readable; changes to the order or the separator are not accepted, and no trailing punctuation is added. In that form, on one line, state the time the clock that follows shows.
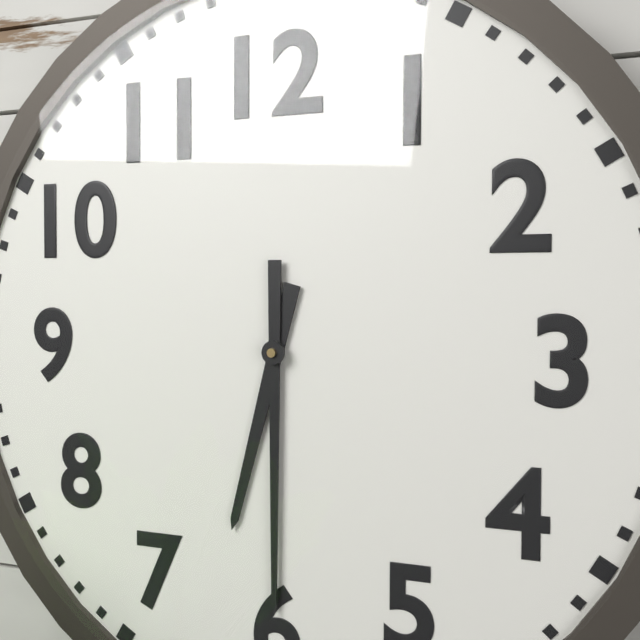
**6:30**
